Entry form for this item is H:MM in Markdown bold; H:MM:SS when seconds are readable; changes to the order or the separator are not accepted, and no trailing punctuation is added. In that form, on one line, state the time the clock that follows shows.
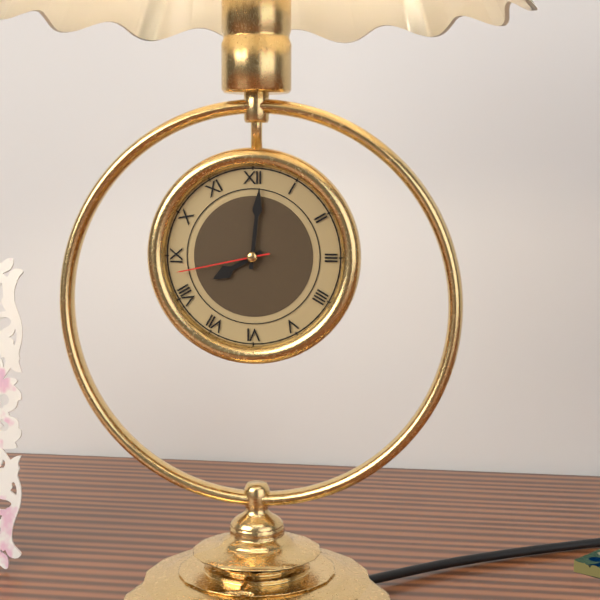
**8:01:43**
